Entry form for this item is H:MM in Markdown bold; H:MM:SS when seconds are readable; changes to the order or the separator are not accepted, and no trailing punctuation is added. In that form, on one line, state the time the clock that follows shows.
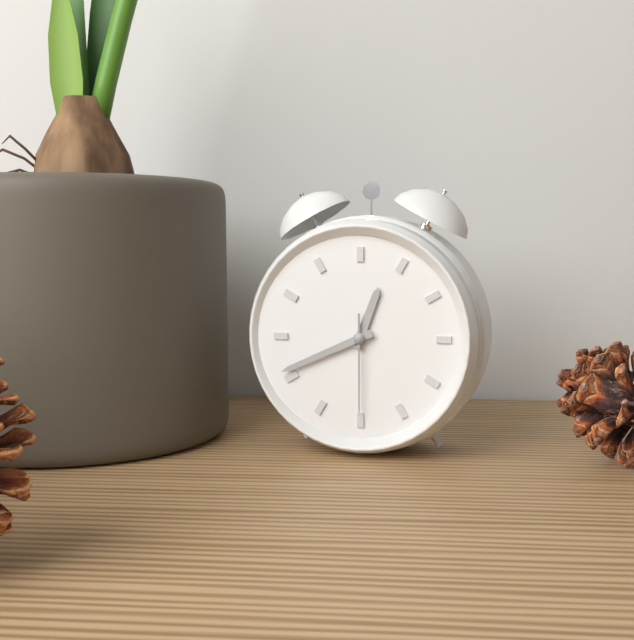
**12:41:30**
